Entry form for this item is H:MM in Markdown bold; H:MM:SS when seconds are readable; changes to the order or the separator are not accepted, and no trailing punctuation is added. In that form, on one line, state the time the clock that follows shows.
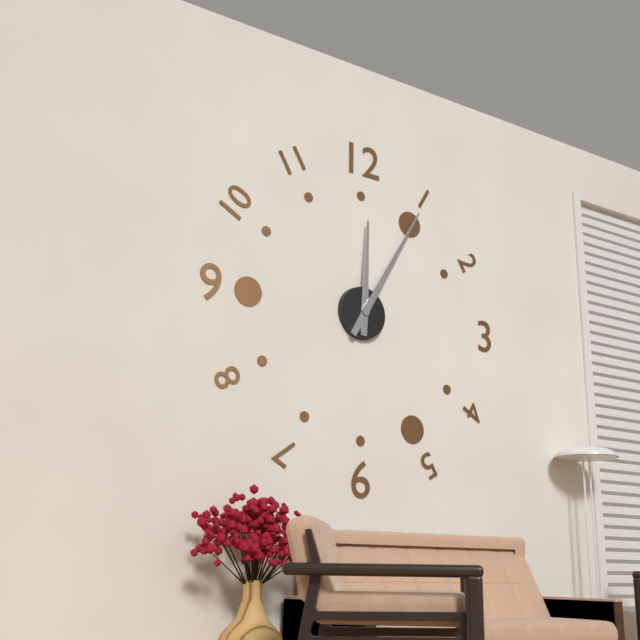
**12:05**
